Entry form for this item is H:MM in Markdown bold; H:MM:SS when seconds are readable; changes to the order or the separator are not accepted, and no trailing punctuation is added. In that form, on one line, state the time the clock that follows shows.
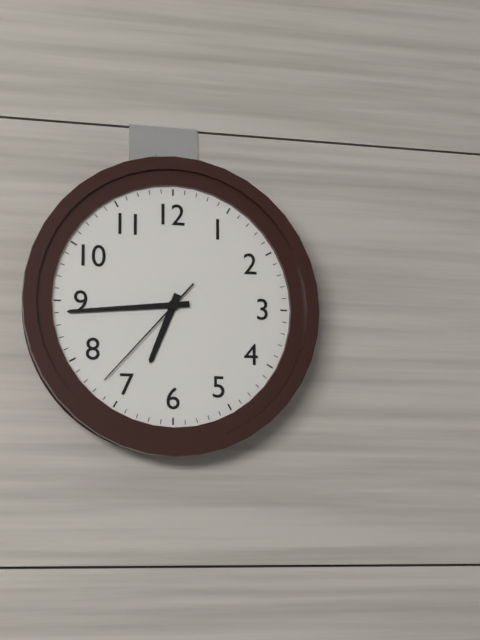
**6:44:37**
